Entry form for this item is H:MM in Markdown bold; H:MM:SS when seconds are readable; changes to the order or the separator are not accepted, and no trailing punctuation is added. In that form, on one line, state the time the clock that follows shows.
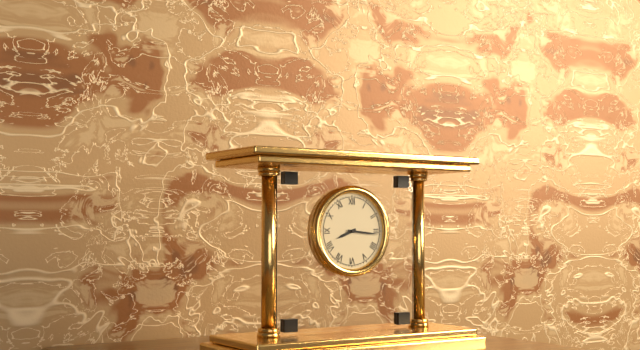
**8:16**
